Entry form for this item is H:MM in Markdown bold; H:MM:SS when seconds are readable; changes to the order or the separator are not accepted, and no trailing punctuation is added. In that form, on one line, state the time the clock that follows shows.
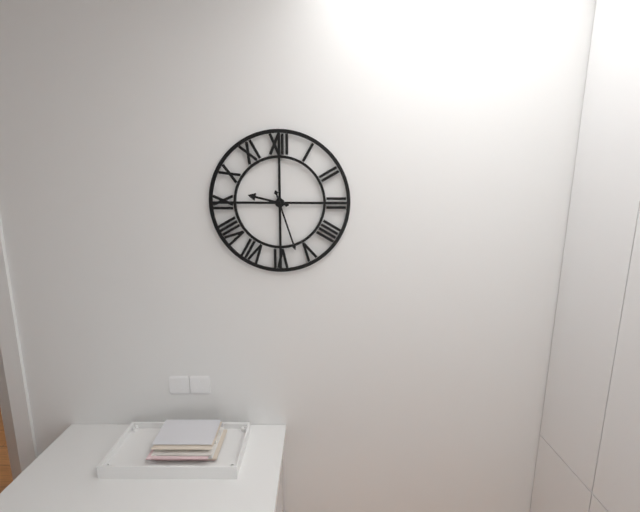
**9:27**
